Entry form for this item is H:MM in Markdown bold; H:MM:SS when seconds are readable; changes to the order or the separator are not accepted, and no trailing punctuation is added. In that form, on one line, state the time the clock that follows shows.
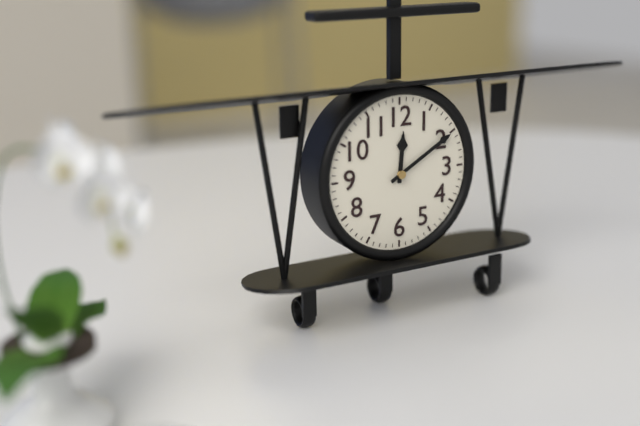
**12:10**
